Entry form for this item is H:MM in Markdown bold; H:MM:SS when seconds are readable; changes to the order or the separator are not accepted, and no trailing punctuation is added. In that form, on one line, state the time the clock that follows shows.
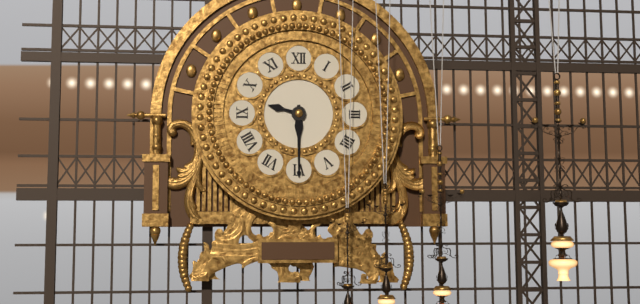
**9:30**
